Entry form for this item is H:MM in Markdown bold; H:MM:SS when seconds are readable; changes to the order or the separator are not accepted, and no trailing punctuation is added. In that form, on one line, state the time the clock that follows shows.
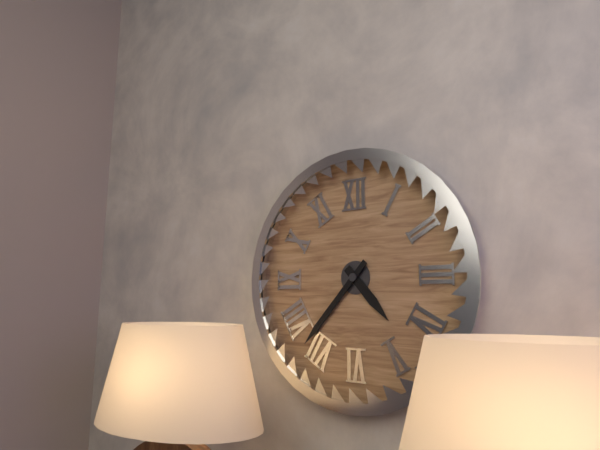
**4:37**
